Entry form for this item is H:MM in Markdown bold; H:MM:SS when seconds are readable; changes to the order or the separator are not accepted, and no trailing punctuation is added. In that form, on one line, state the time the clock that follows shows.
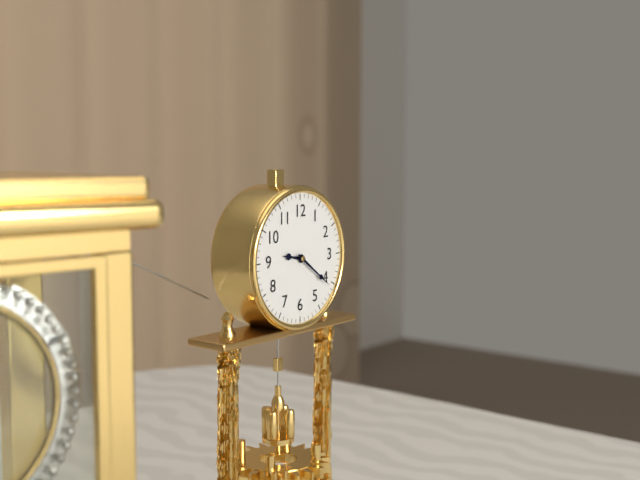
**9:21**
